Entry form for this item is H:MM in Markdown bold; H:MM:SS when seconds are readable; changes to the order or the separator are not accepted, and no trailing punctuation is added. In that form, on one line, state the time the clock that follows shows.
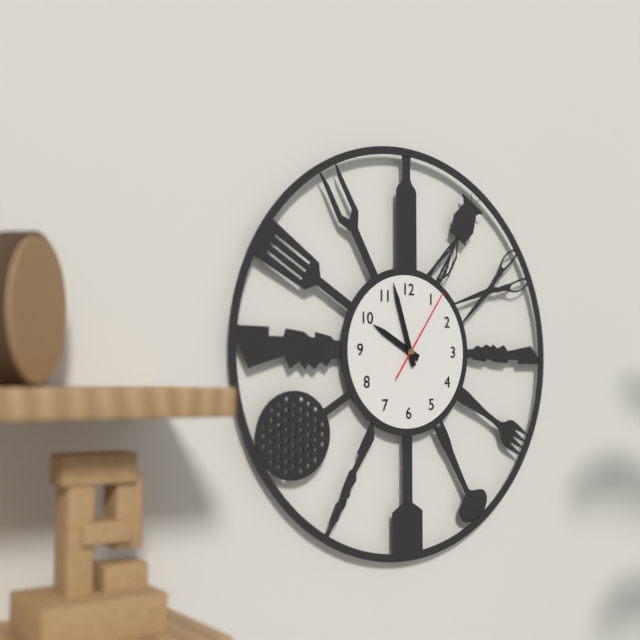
**9:57:06**
